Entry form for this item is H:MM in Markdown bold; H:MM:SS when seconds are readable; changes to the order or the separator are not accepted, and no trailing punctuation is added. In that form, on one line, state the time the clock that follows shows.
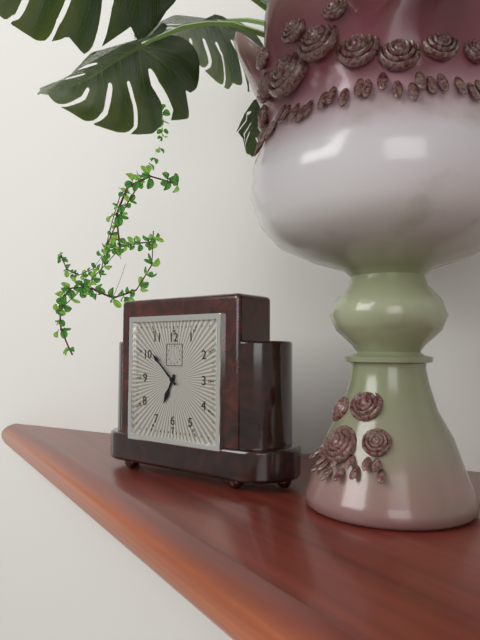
**6:52**
